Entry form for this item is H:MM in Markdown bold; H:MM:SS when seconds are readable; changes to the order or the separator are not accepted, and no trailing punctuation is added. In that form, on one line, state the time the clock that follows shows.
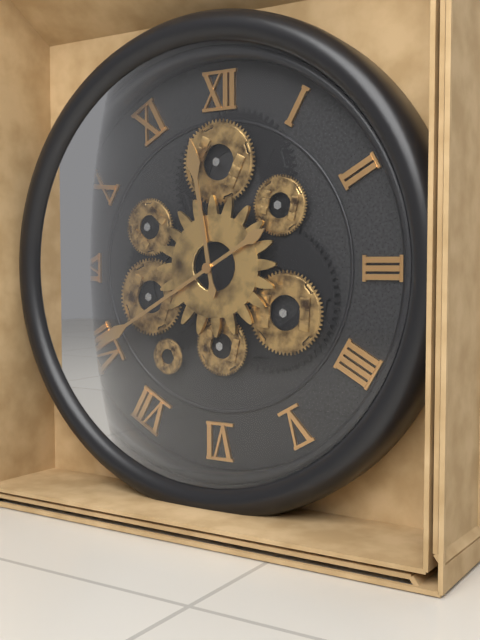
**11:40**
